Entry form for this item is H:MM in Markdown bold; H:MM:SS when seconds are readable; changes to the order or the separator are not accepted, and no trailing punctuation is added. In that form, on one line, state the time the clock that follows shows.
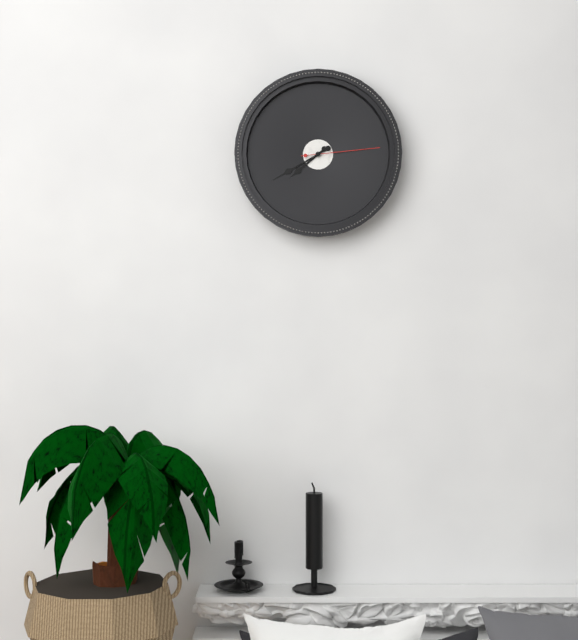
**7:40:14**
